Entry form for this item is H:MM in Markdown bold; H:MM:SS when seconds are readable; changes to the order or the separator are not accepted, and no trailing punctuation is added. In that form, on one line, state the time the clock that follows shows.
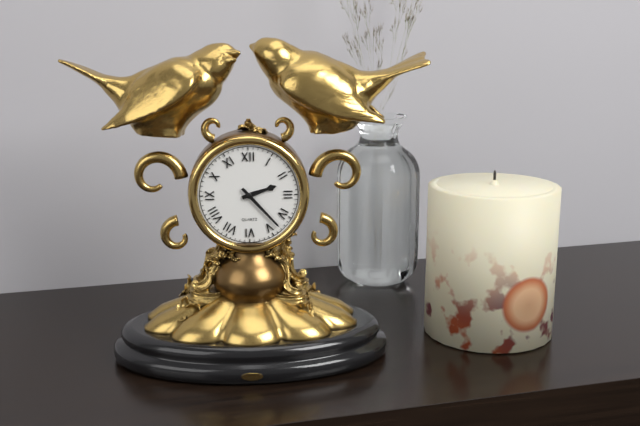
**2:23**
